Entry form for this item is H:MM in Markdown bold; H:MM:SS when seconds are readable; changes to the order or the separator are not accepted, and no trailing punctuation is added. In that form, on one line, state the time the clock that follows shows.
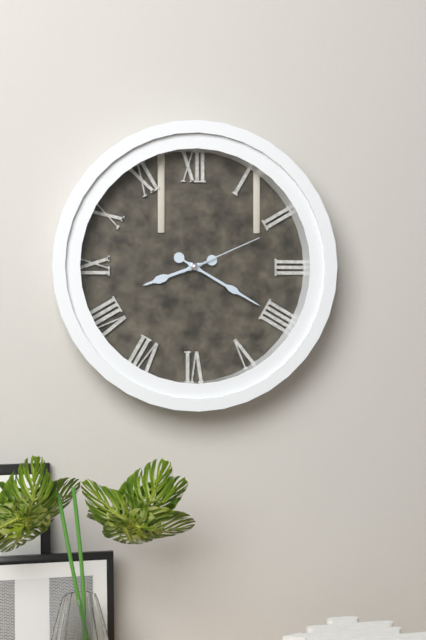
**8:20:11**
